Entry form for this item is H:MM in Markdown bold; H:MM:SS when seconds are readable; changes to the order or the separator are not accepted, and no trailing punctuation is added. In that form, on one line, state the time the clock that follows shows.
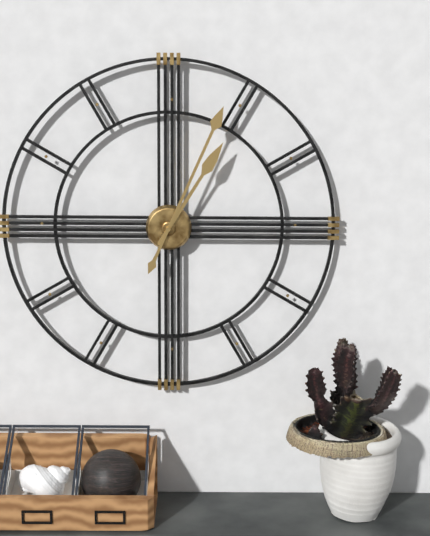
**1:04**
